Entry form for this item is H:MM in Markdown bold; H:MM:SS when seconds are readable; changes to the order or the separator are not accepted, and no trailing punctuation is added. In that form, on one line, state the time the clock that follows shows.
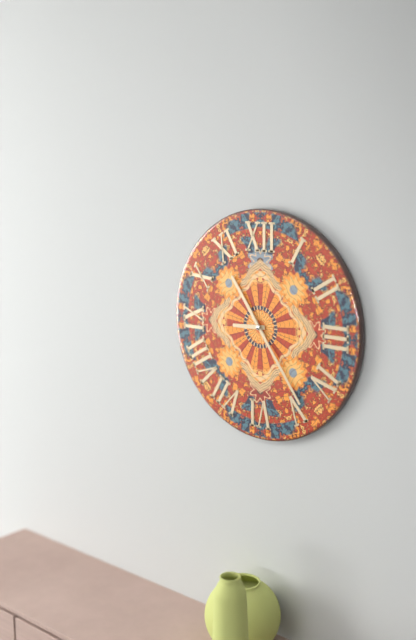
**8:54:24**
